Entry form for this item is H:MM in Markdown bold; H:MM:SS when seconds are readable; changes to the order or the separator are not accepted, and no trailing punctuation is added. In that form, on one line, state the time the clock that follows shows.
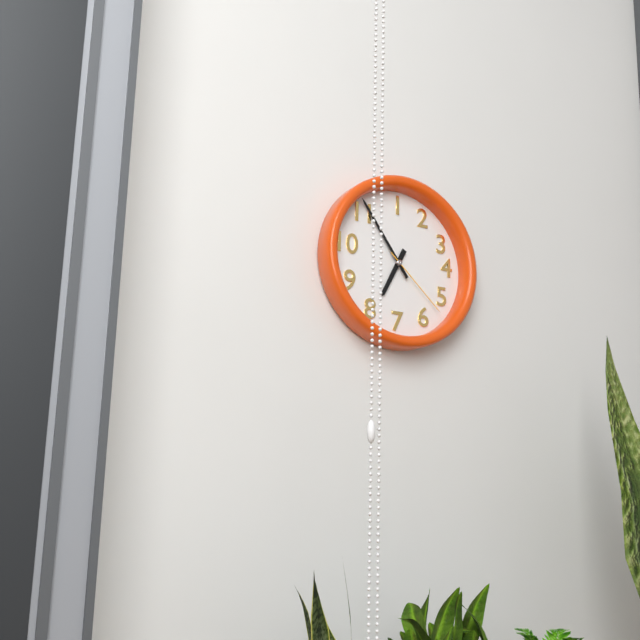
**6:54:22**
